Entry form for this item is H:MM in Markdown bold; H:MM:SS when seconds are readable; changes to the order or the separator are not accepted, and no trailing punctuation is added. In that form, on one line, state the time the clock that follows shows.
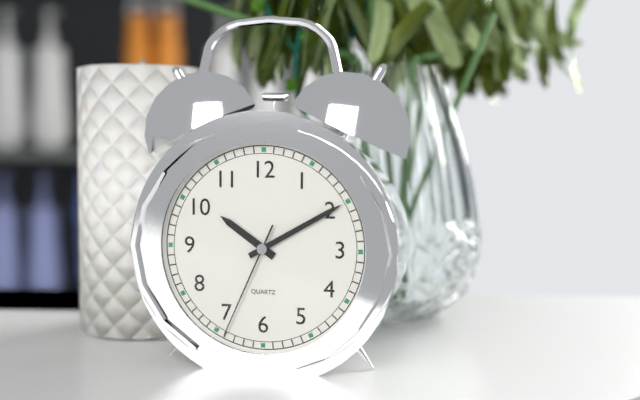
**10:10:34**
